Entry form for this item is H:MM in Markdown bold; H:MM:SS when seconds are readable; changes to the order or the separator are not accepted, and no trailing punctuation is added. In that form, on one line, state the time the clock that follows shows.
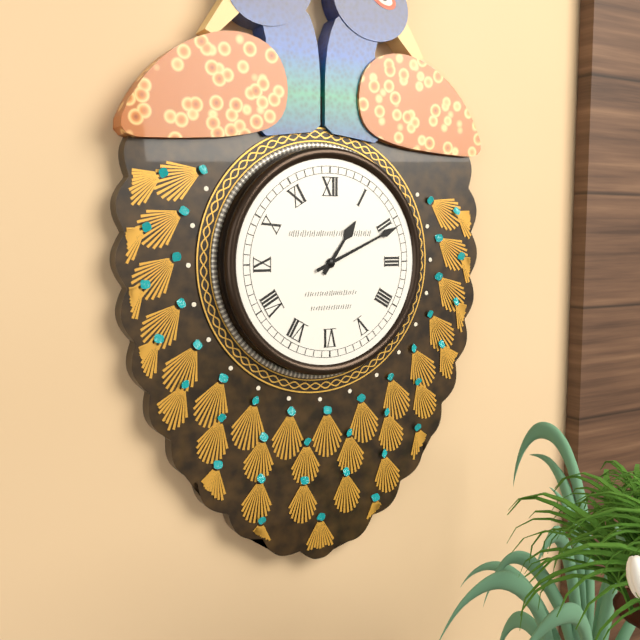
**1:11**
